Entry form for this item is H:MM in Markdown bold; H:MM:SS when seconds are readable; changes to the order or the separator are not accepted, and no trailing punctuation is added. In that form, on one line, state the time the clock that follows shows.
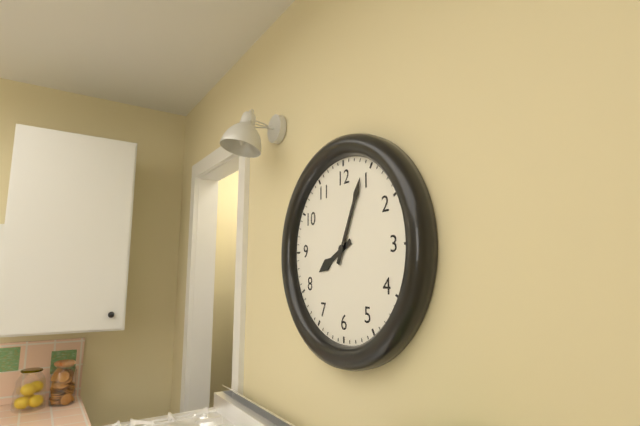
**8:04**
